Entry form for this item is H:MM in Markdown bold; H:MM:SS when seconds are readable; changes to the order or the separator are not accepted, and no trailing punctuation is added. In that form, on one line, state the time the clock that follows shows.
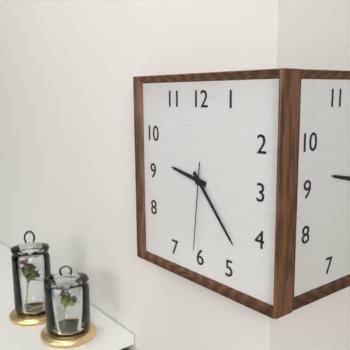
**9:23:31**
